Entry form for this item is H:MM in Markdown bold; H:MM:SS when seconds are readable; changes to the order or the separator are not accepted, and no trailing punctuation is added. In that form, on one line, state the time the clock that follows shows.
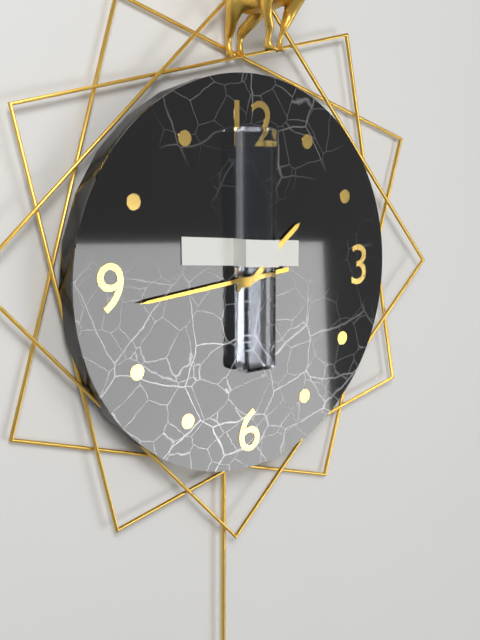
**1:44**
